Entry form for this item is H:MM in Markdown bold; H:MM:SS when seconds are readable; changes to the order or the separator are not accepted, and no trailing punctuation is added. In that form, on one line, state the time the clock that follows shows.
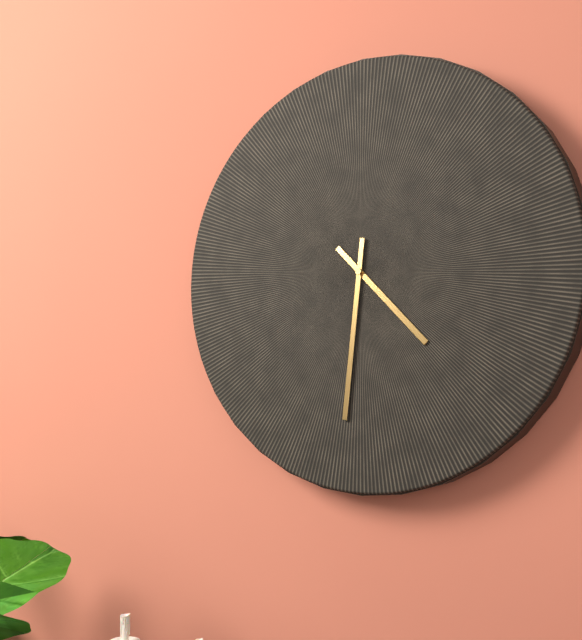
**4:31**
